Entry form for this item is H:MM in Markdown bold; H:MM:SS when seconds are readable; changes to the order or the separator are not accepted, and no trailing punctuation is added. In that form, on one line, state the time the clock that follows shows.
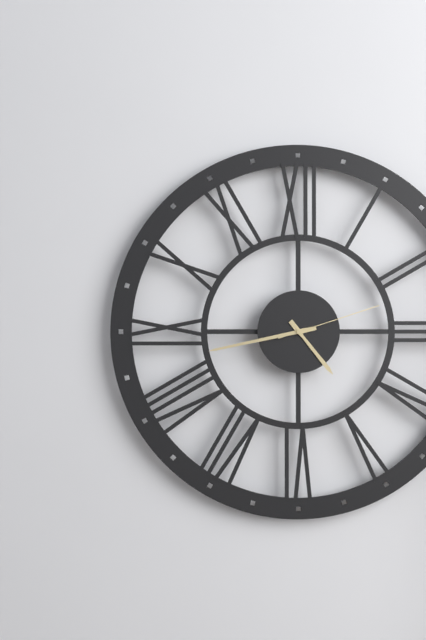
**4:43:12**
